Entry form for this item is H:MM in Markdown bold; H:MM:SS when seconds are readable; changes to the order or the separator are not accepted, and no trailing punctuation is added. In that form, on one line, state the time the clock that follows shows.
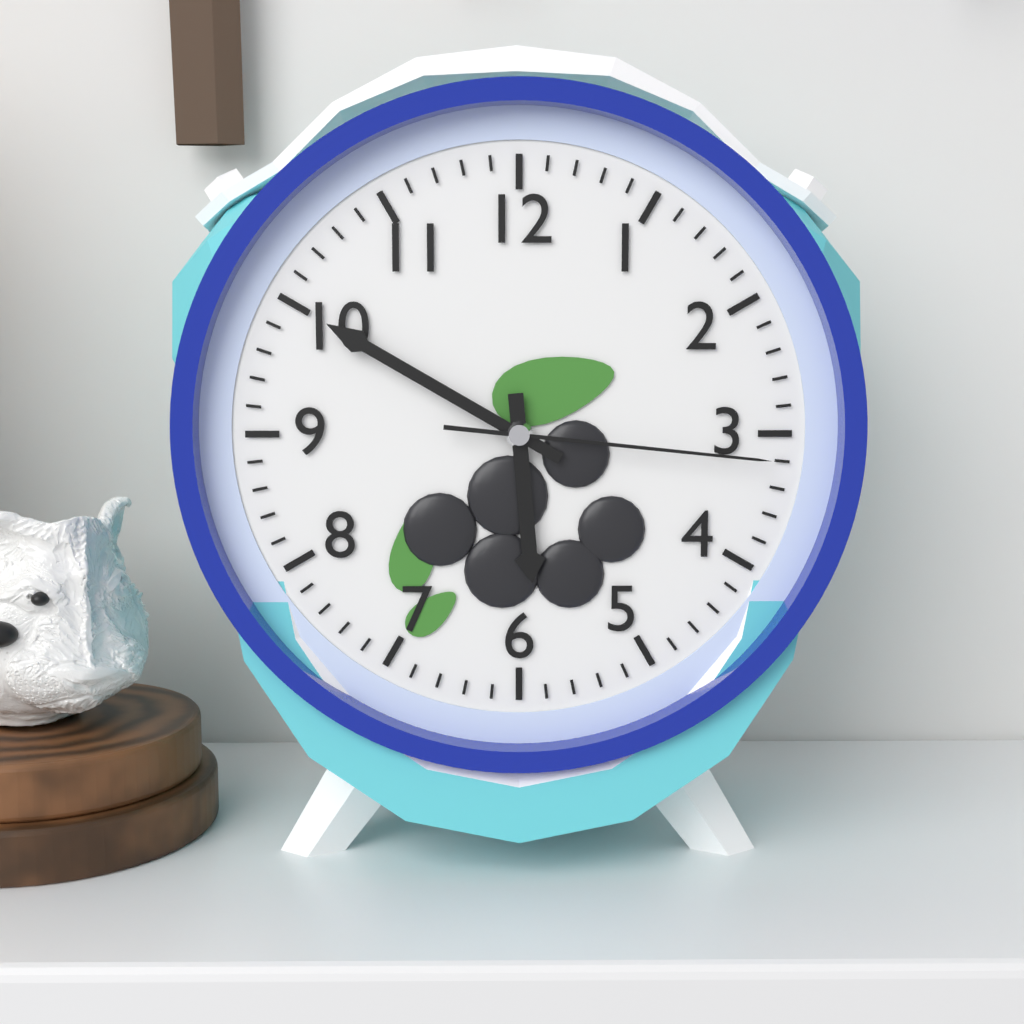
**5:50:16**
